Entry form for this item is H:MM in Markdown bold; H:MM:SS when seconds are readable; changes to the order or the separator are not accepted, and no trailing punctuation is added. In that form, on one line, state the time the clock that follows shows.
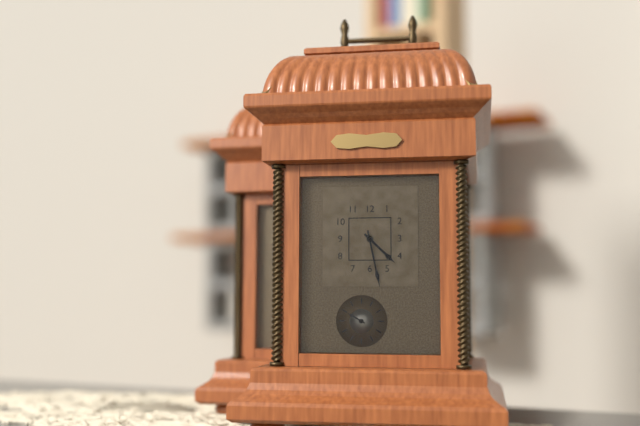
**4:28**
